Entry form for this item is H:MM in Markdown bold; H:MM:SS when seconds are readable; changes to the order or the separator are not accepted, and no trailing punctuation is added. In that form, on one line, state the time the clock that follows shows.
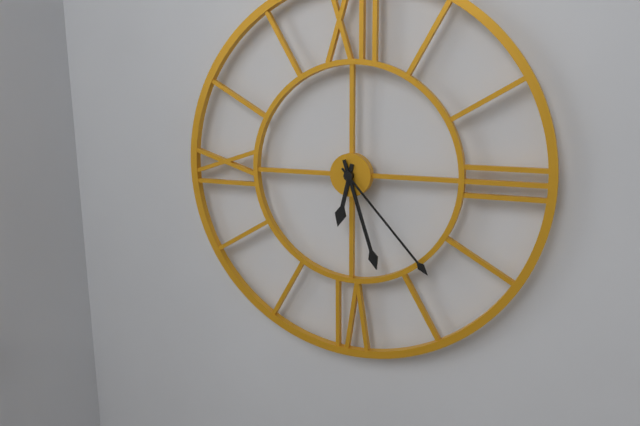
**6:27:23**
